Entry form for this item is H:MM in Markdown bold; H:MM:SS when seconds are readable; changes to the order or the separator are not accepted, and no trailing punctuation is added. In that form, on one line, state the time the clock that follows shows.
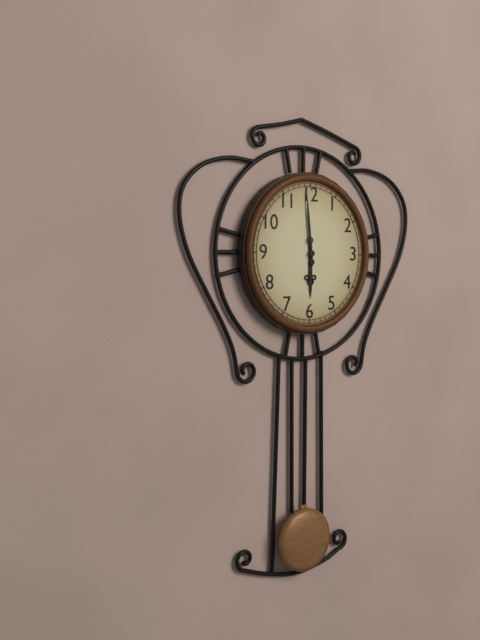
**5:59**
